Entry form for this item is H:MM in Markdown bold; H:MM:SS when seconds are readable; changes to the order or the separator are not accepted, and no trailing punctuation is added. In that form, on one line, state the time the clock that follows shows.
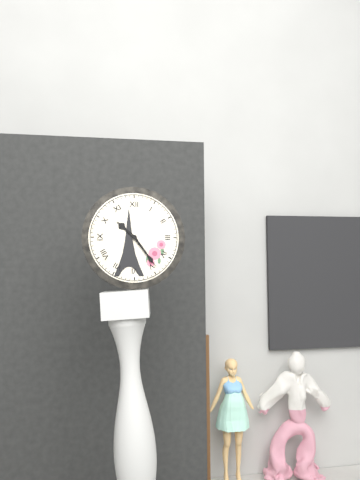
**10:24**
